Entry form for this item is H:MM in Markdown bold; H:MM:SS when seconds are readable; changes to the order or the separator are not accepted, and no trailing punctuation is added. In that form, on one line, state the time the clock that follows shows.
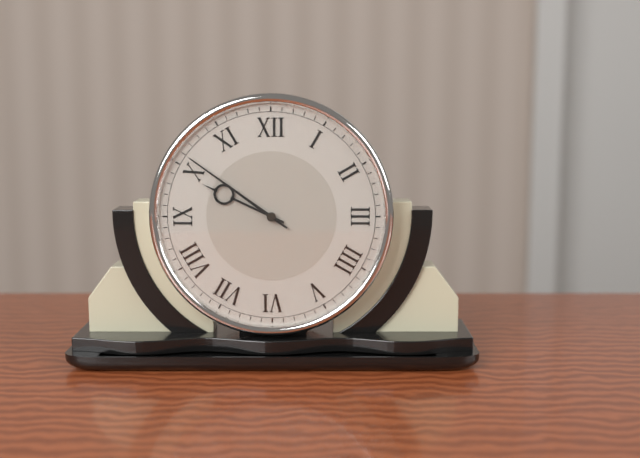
**9:51**
